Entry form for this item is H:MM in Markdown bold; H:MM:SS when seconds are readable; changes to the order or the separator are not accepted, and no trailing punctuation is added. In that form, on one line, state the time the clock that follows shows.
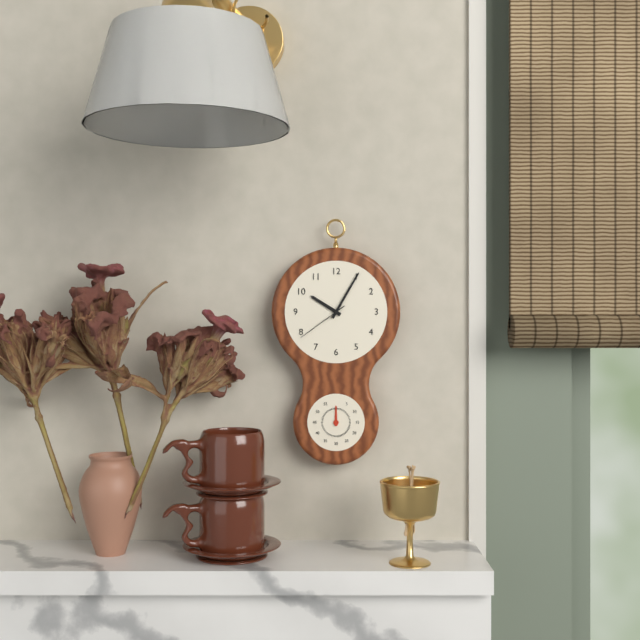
**10:05:39**
